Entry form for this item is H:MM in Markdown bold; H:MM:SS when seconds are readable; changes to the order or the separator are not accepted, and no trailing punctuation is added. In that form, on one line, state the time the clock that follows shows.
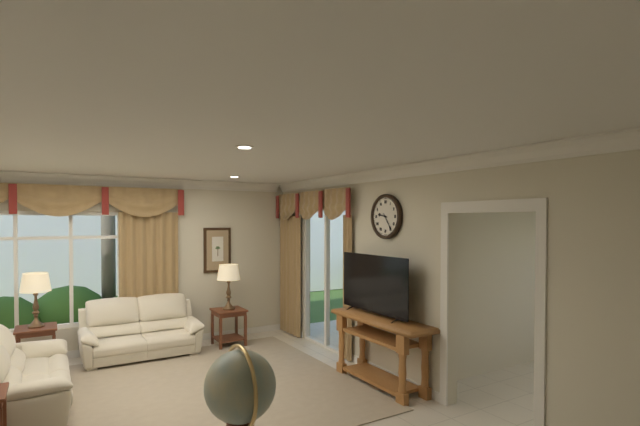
**9:24**
